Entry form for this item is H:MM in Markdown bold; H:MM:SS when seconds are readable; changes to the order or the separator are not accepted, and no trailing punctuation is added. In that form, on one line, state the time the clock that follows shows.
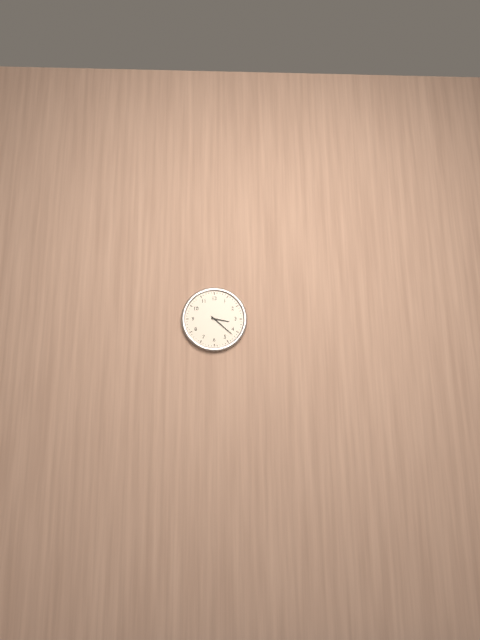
**3:22**
